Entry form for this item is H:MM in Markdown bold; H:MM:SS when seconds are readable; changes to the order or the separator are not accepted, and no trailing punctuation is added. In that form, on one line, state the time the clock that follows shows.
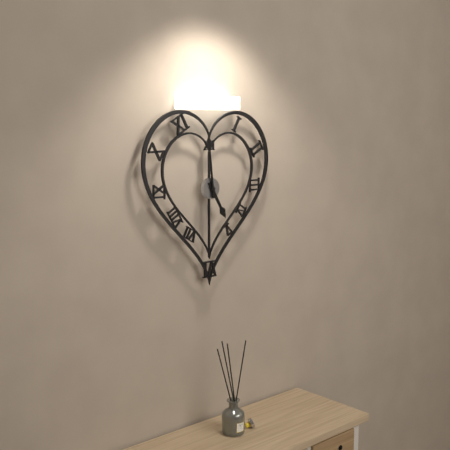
**4:59**
